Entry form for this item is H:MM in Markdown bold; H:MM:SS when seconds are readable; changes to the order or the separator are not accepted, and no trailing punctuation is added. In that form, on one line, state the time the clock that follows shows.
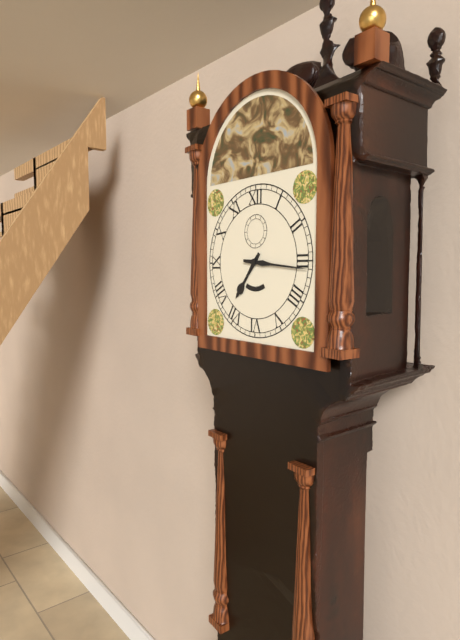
**7:16**
